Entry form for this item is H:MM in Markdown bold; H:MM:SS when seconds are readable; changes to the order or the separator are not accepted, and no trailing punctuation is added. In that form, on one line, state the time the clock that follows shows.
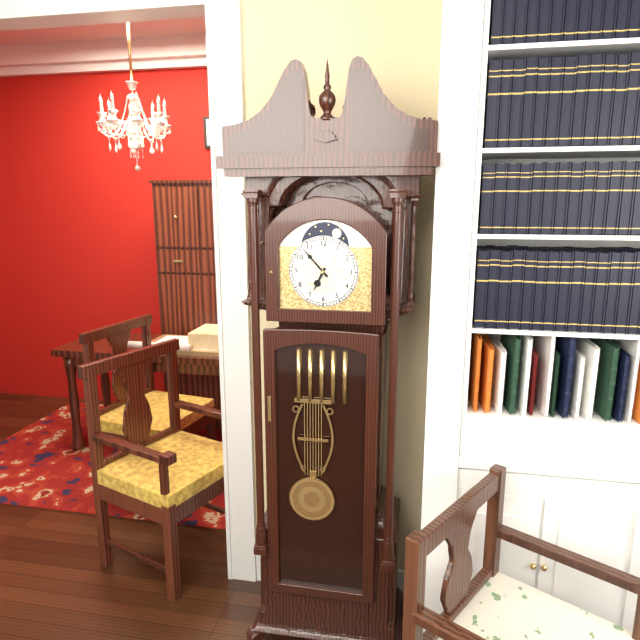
**6:53**
